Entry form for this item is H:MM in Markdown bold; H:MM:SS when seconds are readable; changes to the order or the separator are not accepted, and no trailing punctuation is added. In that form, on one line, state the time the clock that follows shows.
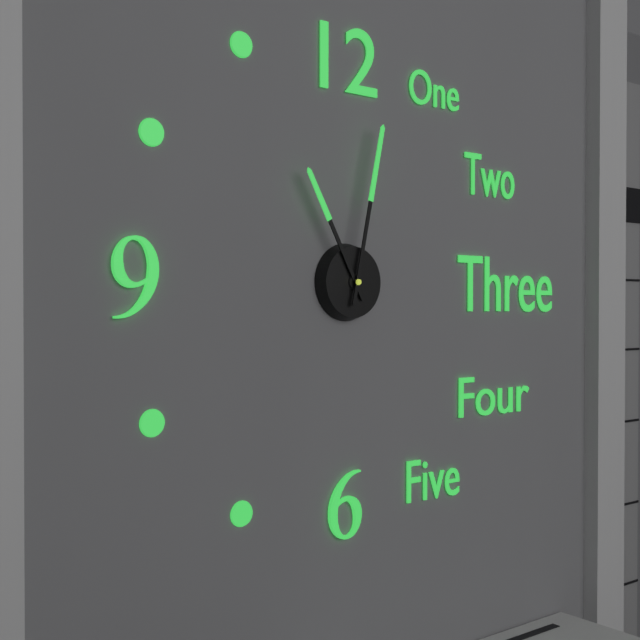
**11:02**
